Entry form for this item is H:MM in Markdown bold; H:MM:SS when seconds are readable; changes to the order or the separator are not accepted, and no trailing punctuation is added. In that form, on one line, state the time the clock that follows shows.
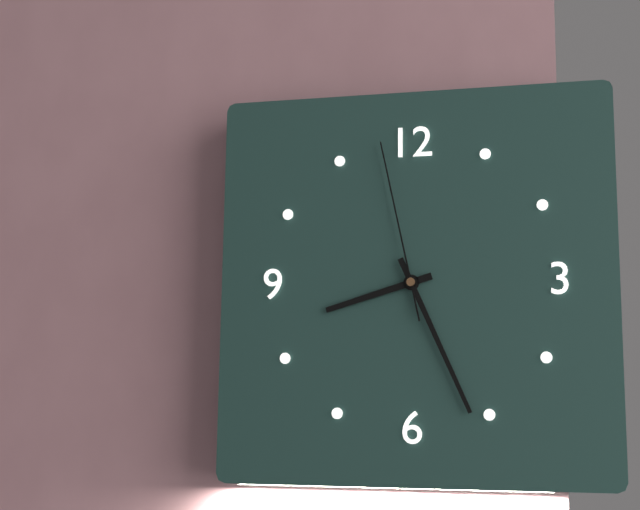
**8:26:58**
